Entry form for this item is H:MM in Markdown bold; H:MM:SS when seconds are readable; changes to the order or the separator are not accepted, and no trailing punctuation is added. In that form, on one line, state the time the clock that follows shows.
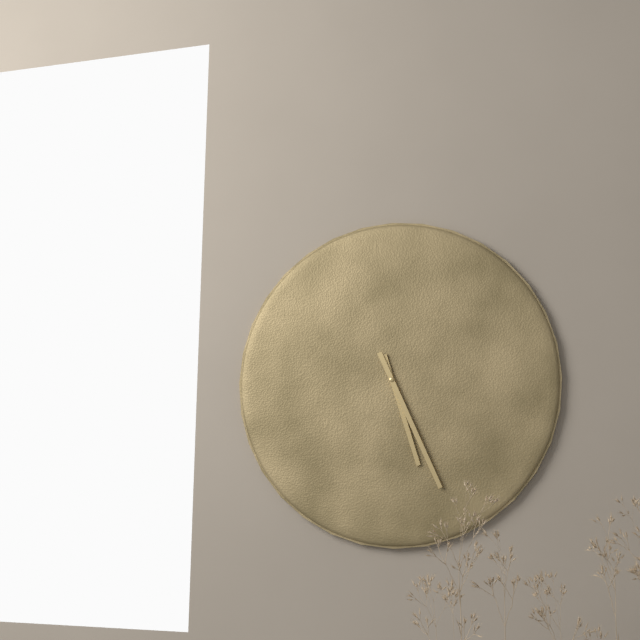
**5:26**
